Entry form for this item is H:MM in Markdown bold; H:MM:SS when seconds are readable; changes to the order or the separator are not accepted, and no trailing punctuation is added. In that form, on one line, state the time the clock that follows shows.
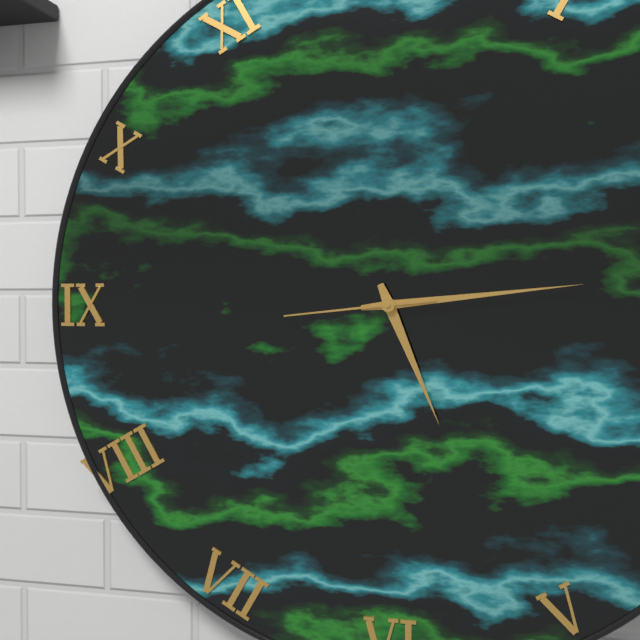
**5:14:44**
